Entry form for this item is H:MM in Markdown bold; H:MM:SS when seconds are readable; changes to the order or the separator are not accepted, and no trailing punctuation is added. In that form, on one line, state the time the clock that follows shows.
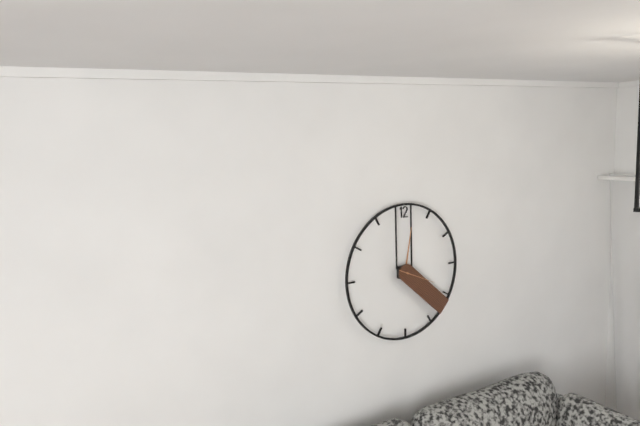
**12:22**
